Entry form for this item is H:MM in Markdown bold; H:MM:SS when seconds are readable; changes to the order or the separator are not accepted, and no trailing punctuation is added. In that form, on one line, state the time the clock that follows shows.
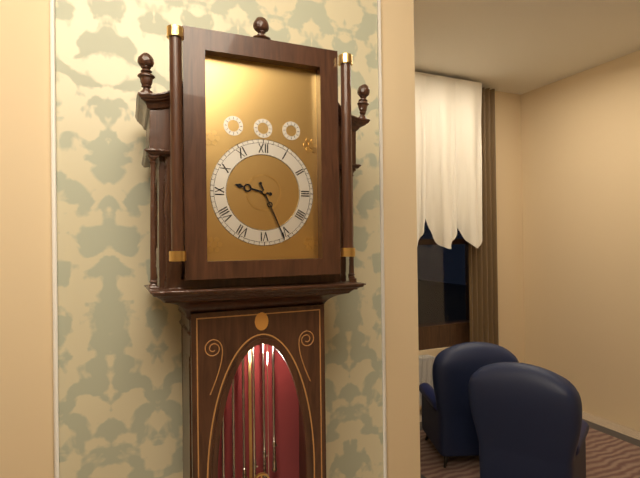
**9:26**
